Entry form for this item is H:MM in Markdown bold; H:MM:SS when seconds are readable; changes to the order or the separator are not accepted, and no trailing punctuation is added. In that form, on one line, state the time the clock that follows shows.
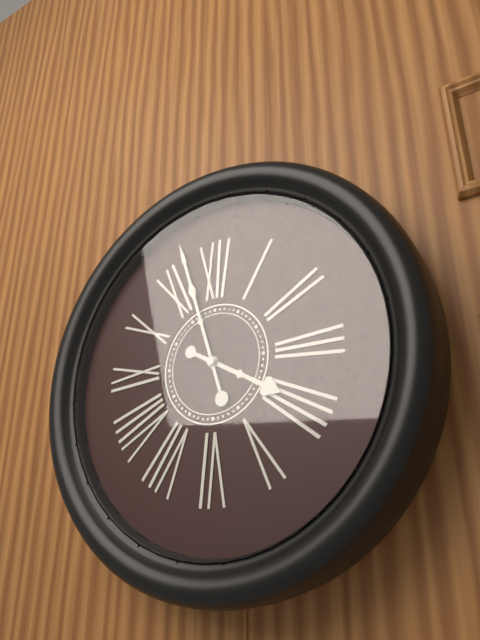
**3:57**
